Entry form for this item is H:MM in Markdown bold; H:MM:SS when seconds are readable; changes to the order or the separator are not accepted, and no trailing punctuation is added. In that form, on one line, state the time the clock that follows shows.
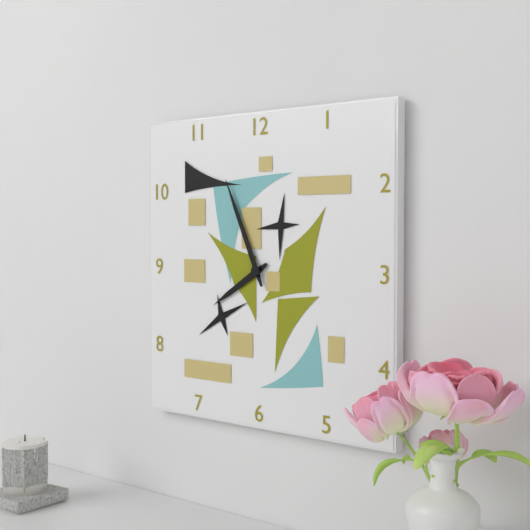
**7:56**
